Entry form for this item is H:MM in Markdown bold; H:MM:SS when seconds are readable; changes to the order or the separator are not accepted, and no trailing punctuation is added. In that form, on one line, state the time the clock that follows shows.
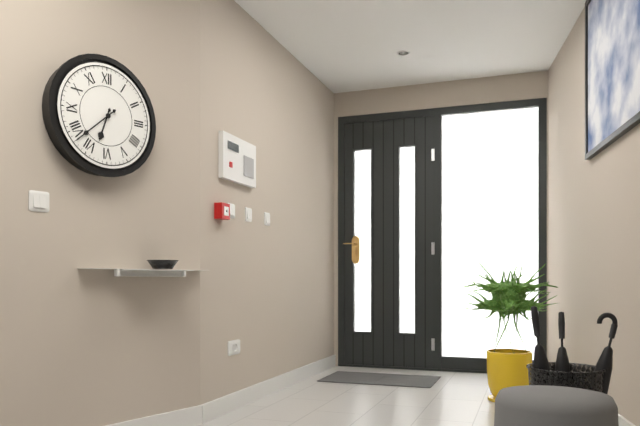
**6:38**
